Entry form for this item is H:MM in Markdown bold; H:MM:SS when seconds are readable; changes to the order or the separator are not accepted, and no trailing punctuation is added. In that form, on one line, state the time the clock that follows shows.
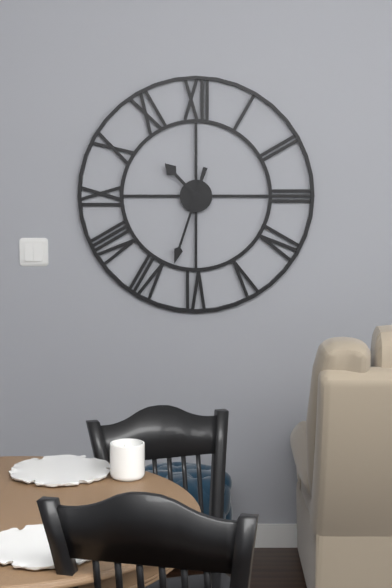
**10:33**
